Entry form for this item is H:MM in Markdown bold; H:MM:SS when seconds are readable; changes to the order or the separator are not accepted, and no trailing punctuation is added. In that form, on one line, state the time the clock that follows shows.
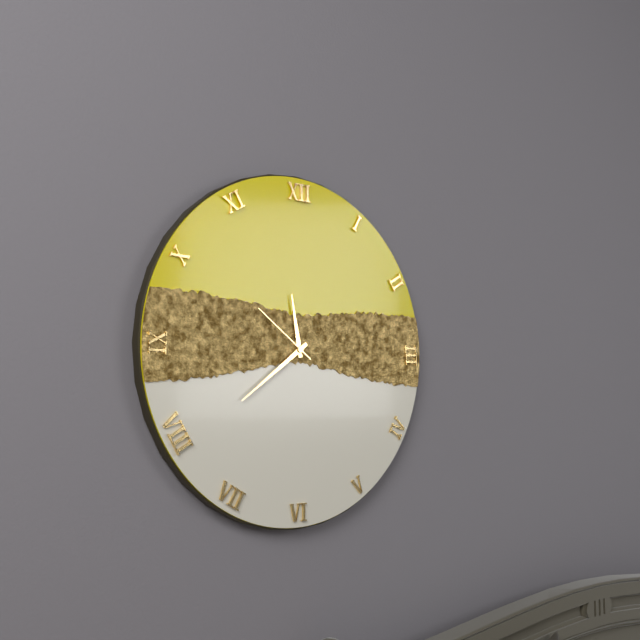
**11:39:51**
